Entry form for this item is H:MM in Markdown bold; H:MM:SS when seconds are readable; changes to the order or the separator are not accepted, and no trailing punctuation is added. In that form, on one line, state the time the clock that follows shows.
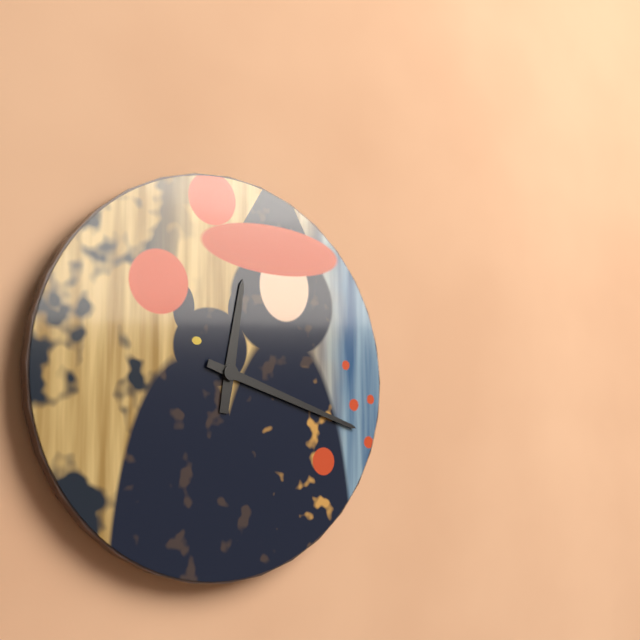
**12:18**
